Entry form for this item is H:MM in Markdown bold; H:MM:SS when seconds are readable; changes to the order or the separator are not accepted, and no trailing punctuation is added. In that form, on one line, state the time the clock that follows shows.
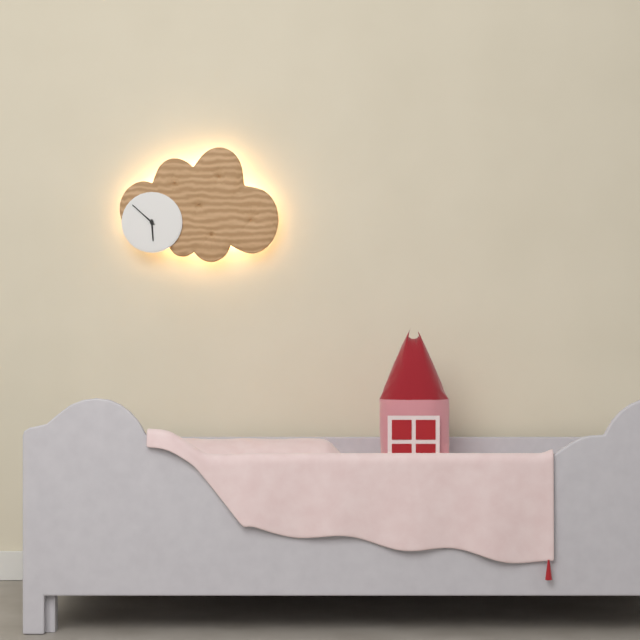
**5:52**
